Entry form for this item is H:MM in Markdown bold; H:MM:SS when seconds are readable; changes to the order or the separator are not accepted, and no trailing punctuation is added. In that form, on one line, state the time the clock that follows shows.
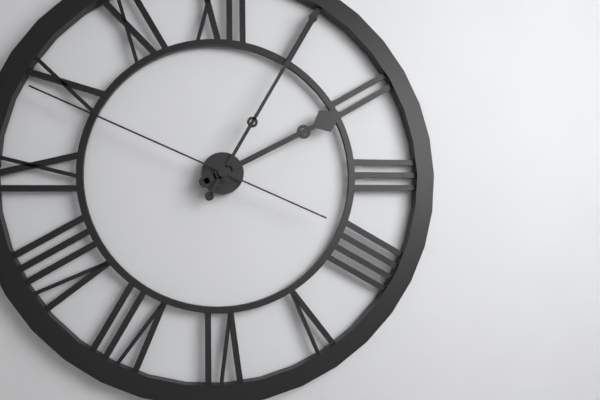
**2:05:49**
